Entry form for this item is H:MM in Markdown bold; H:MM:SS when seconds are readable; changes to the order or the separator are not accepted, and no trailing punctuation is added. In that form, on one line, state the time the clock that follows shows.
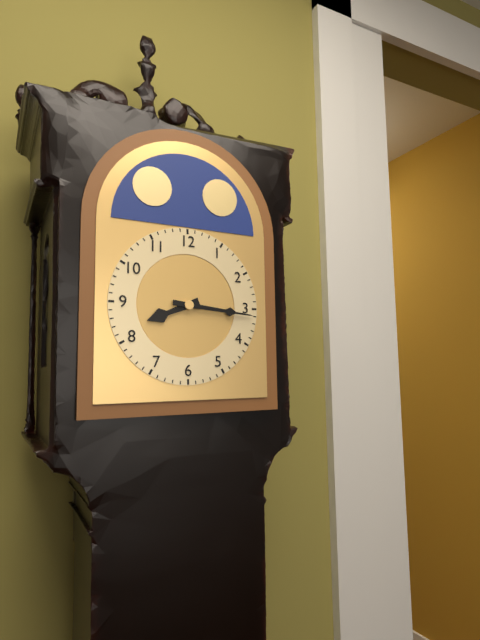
**8:16**
